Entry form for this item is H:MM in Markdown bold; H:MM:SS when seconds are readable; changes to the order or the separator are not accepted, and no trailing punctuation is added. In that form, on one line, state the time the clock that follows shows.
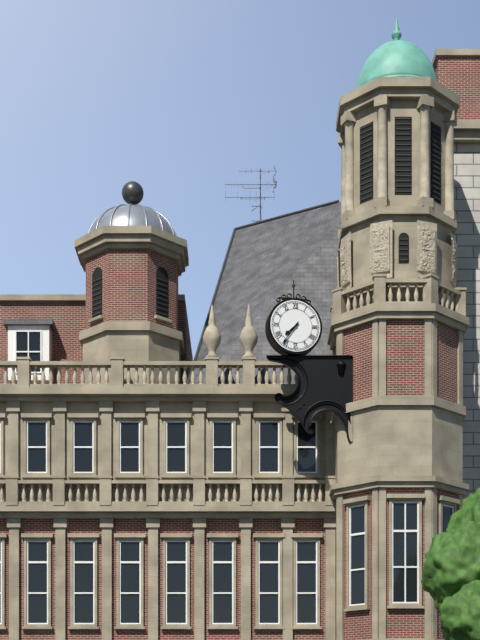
**7:36**
